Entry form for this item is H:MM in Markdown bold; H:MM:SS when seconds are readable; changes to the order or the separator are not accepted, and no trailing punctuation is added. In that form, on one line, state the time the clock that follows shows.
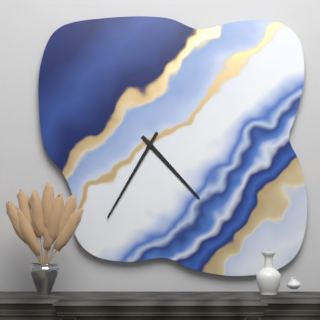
**4:35**
